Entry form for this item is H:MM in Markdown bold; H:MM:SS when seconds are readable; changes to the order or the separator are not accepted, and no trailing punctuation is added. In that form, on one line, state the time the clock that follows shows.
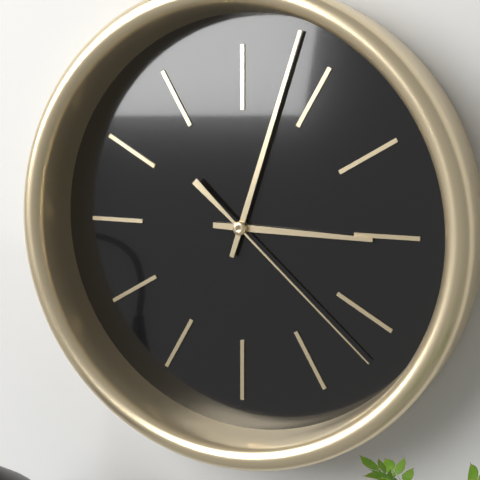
**3:03:22**
